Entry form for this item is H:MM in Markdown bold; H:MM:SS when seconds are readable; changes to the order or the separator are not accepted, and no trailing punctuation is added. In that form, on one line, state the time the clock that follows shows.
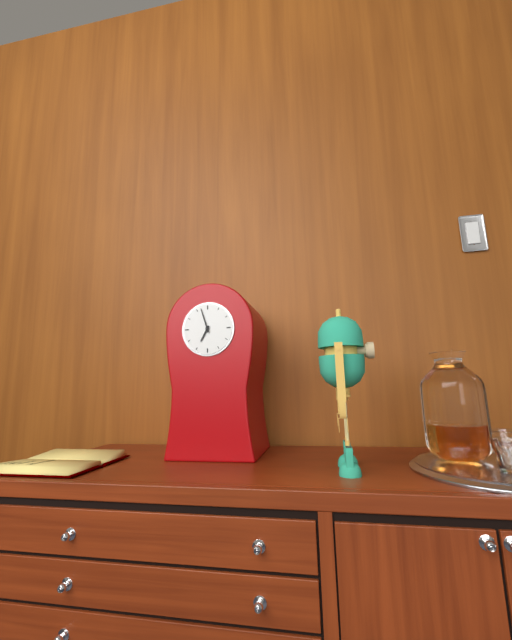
**6:57**
